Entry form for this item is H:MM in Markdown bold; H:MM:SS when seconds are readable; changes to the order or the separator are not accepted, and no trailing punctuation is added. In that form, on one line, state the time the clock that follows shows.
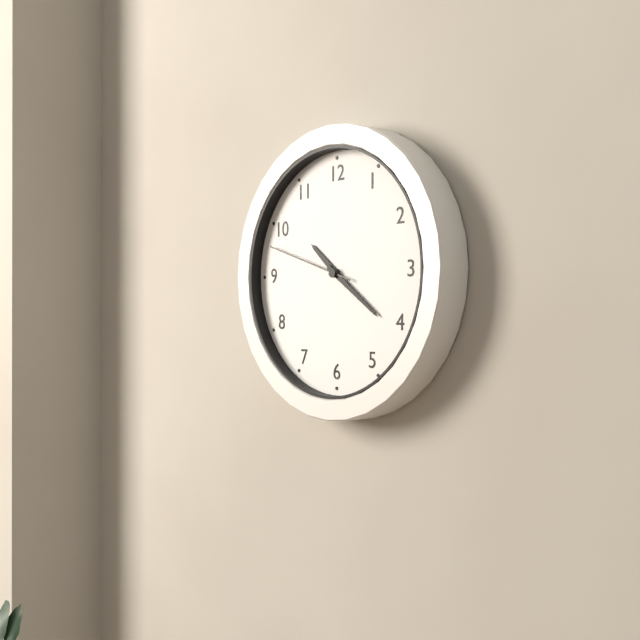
**10:21:48**
